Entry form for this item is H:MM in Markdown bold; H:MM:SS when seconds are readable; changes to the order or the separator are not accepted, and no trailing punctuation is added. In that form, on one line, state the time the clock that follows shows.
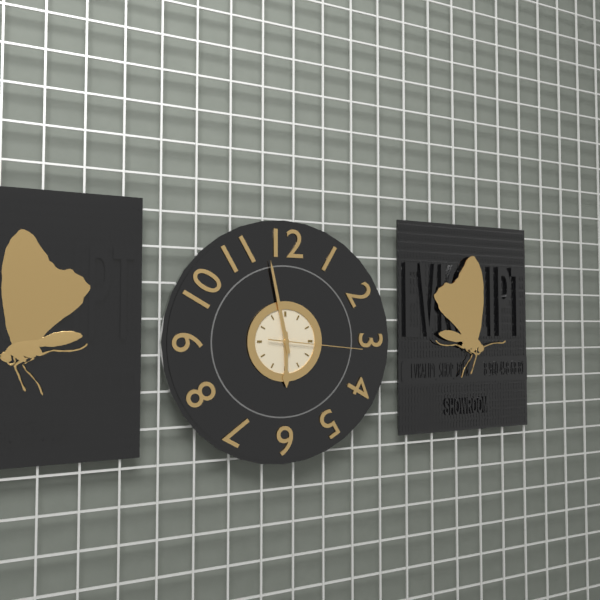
**5:58:16**
